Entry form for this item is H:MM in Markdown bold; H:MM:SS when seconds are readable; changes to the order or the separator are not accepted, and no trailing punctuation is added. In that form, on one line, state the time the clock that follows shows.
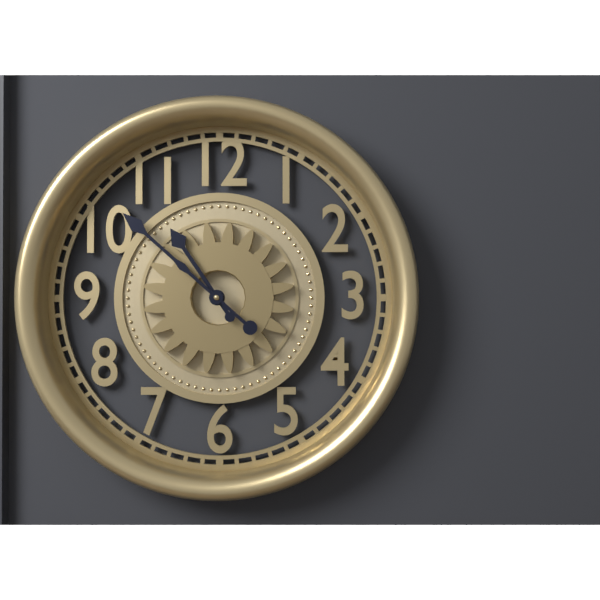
**10:52**
